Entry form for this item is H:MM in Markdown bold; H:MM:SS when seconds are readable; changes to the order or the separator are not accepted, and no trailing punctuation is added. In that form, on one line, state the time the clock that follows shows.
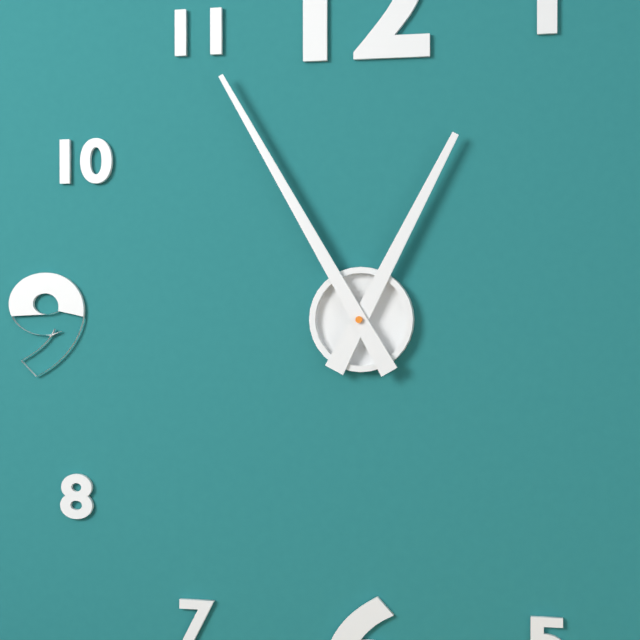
**12:55**
